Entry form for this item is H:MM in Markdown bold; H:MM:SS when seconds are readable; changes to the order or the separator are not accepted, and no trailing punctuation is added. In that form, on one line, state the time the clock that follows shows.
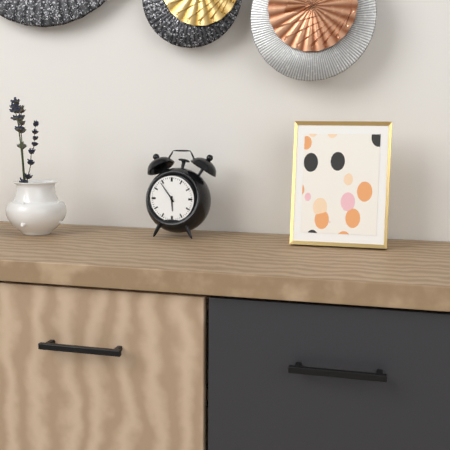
**5:54**
